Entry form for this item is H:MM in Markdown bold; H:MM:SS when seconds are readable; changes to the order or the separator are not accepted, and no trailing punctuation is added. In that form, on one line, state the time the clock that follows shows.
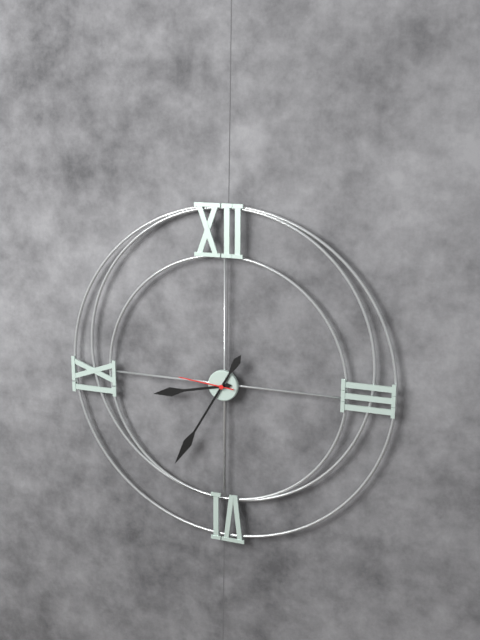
**8:35:46**
